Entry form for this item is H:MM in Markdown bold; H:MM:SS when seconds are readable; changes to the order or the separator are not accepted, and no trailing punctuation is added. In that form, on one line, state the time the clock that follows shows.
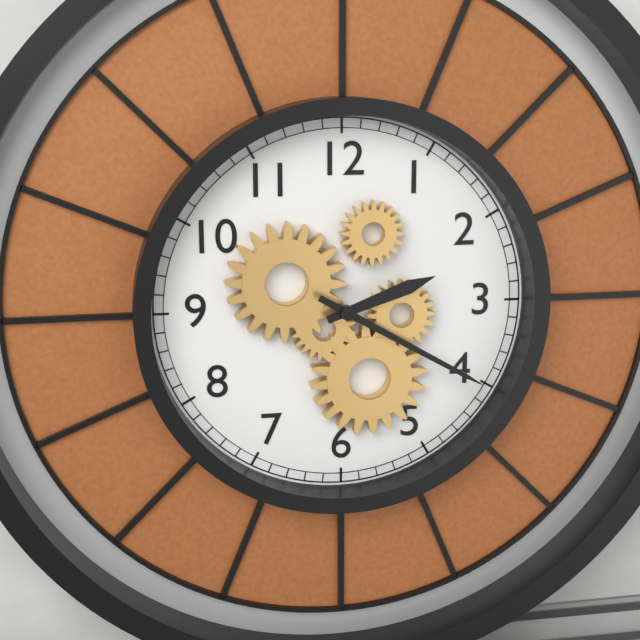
**2:20**
